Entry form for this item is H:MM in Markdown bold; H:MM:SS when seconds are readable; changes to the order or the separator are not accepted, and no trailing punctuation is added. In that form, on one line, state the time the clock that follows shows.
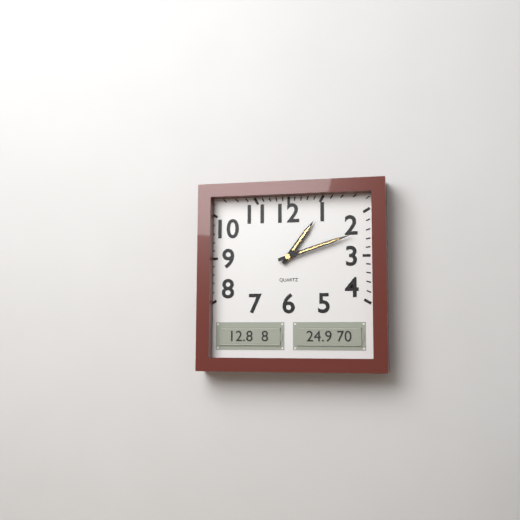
**1:12**
